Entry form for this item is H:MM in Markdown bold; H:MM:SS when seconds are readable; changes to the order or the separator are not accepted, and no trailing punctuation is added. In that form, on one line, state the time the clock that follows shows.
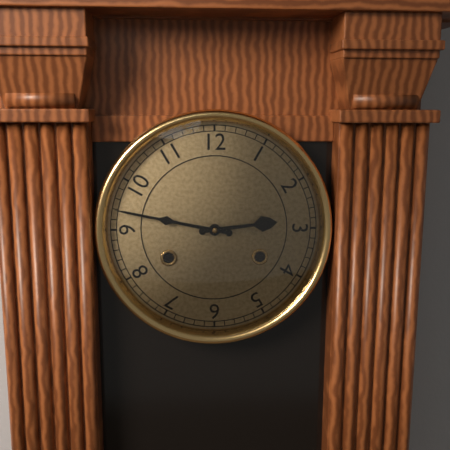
**2:47**
